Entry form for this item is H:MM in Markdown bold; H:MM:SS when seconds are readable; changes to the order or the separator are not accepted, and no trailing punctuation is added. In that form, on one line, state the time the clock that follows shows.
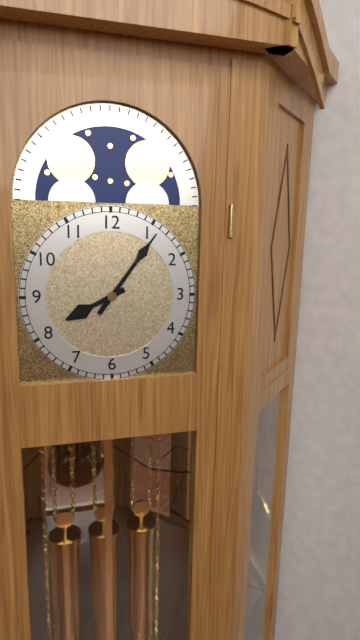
**8:06**
